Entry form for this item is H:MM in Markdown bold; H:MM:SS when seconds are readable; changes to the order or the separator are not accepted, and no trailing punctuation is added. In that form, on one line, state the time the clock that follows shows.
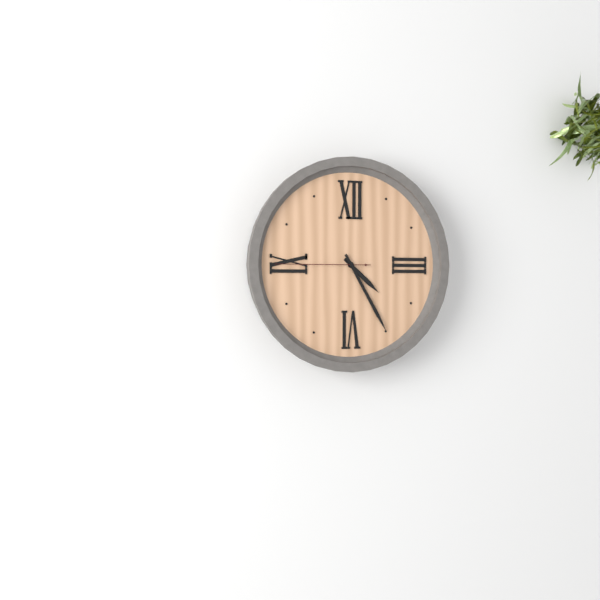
**4:25:45**
